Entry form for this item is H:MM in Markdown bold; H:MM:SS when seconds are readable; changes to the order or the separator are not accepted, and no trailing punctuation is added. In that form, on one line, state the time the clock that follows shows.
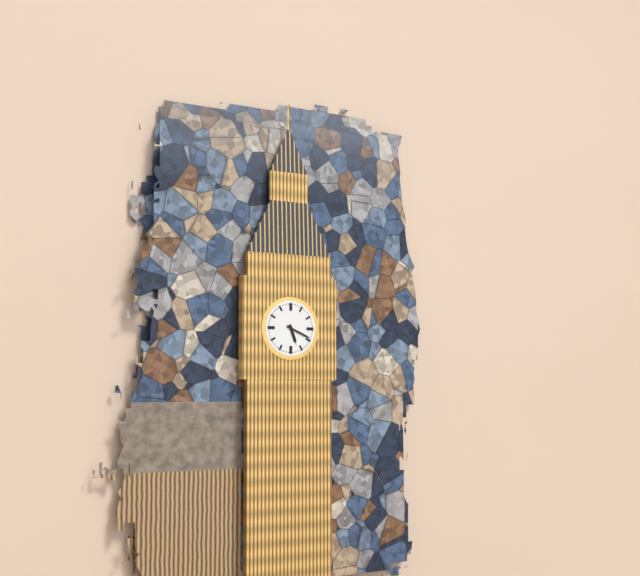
**5:19**
